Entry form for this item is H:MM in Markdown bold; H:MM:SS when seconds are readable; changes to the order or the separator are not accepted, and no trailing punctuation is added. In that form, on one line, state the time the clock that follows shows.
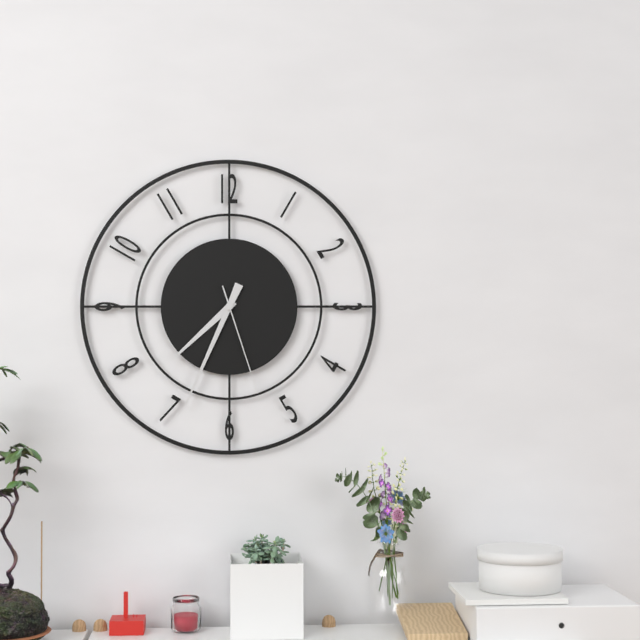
**7:34:27**
